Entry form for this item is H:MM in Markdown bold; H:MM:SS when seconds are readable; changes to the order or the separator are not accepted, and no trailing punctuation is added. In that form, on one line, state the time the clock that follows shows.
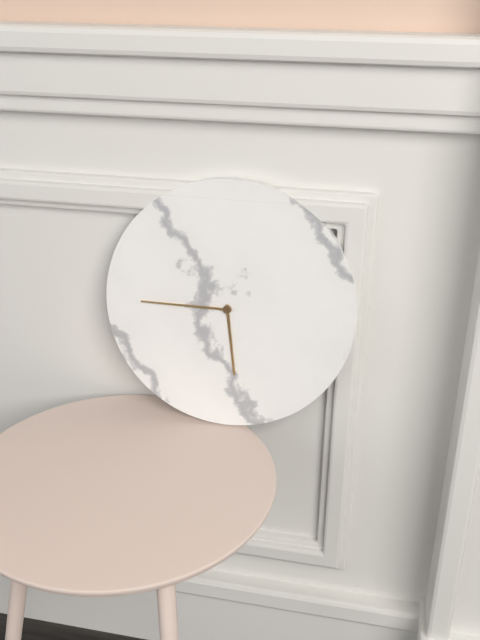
**5:45**
